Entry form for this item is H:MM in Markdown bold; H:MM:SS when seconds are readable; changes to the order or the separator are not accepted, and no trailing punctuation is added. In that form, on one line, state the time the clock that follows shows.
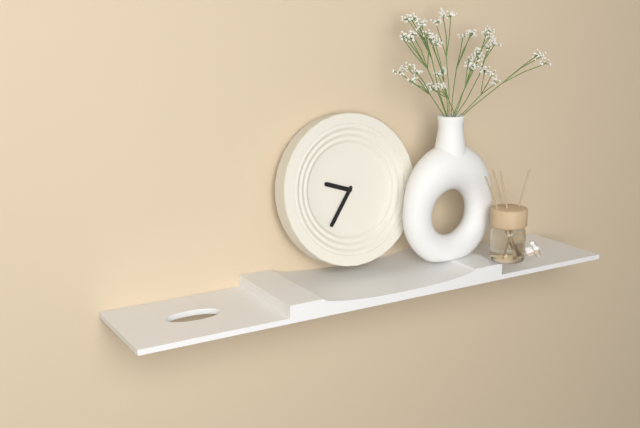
**9:36**
